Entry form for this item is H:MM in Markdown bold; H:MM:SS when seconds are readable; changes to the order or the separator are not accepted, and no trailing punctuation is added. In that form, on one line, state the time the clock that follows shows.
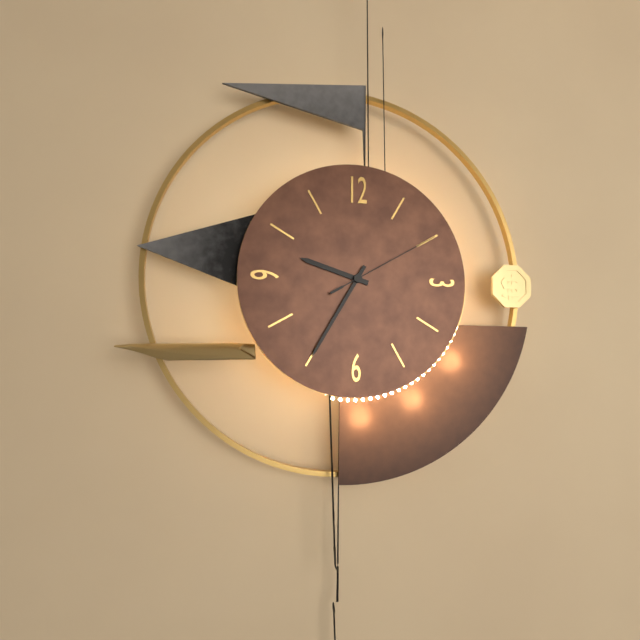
**9:35:10**
